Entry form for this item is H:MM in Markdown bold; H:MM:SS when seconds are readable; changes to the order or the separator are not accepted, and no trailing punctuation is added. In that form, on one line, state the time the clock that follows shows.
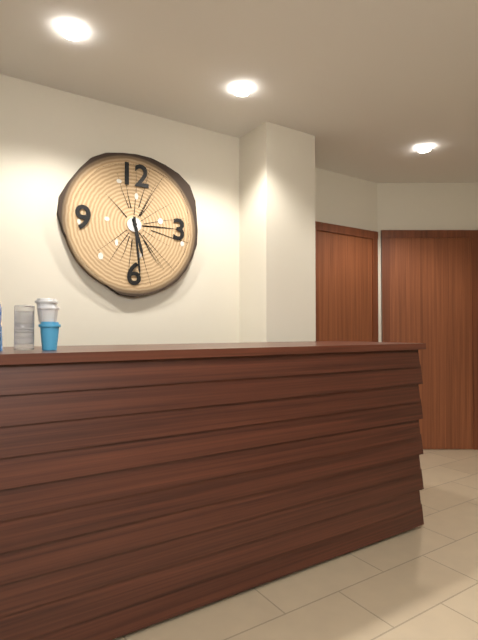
**5:29**
